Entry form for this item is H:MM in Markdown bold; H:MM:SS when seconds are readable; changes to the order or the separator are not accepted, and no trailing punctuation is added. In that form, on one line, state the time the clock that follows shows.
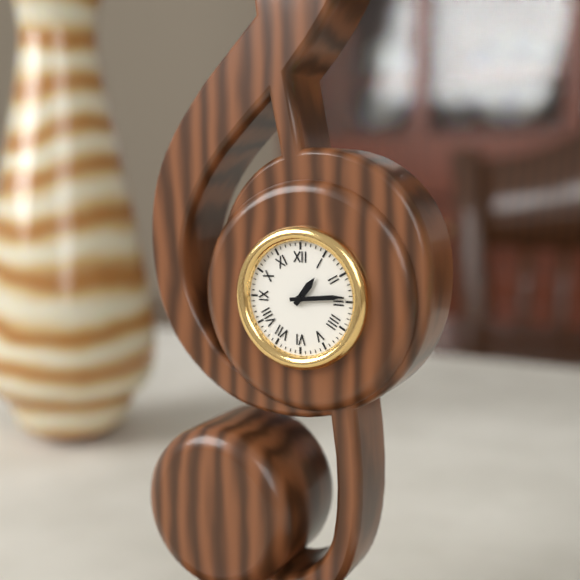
**1:14**
